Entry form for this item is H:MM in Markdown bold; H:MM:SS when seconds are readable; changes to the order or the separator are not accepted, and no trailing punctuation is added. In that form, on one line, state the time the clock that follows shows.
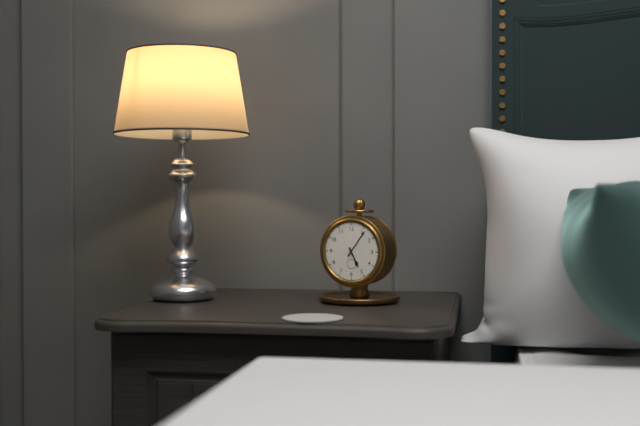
**5:06**
